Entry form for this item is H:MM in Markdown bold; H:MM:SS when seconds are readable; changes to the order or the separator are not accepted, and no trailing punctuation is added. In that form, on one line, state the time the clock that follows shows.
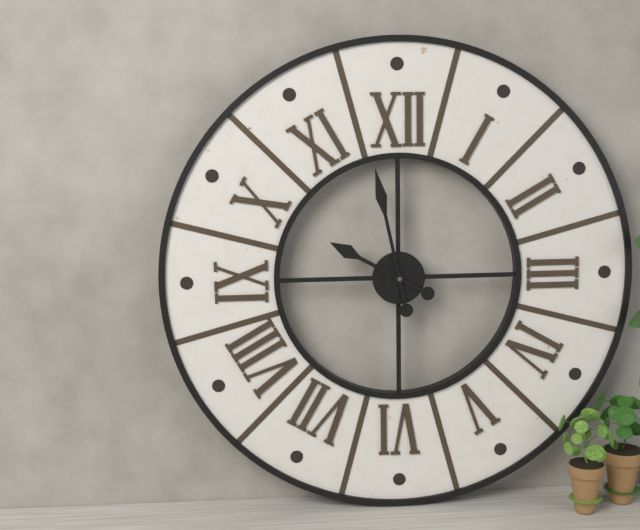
**9:58**
